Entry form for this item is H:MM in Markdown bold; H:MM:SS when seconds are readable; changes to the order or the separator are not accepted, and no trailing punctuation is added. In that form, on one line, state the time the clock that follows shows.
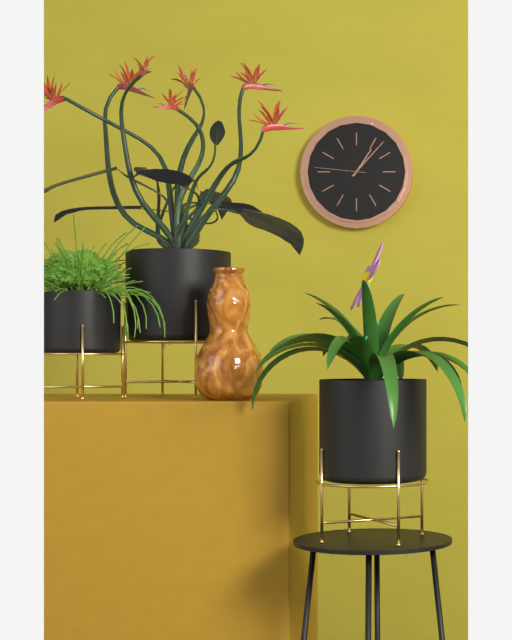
**1:07:46**
